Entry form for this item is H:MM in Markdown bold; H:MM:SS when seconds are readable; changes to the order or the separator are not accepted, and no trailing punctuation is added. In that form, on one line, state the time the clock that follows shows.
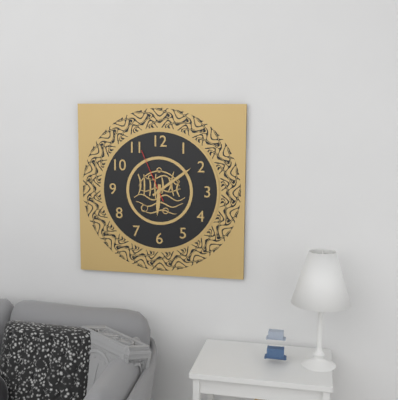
**6:09:56**
